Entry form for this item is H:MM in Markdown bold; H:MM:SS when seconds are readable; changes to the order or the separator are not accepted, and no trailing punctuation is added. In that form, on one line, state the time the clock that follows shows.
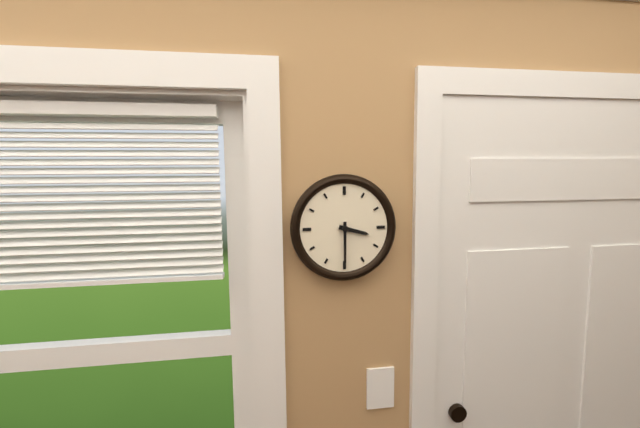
**3:30**
